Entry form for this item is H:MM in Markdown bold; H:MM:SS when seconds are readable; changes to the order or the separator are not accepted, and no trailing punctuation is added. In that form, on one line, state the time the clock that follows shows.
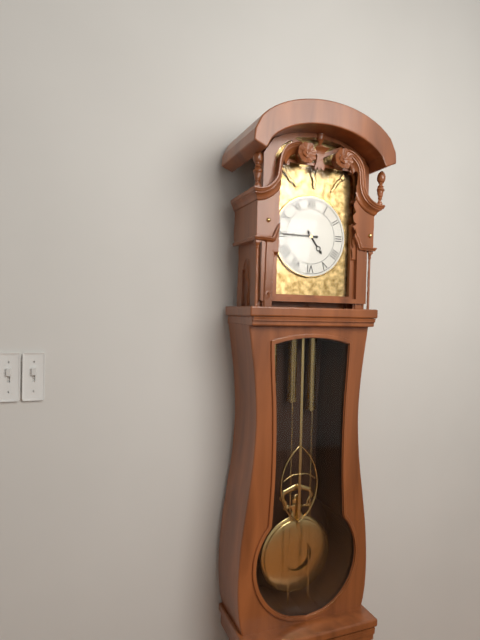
**4:45**
